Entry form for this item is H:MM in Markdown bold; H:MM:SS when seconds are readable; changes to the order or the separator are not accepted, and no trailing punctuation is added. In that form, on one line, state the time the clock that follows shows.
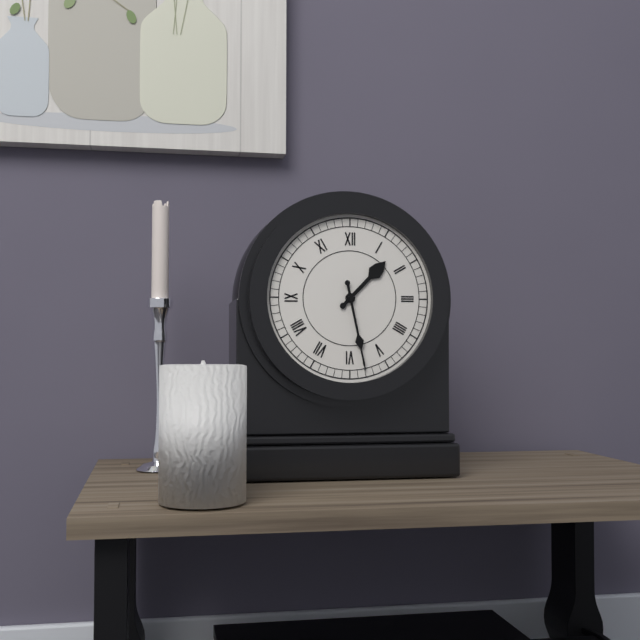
**1:28**
